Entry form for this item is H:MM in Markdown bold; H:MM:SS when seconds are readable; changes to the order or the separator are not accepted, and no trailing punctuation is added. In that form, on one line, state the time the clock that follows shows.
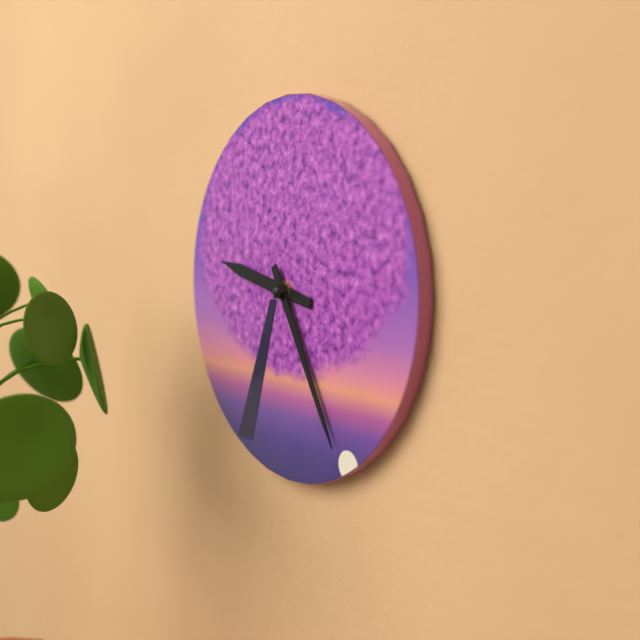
**9:25**
